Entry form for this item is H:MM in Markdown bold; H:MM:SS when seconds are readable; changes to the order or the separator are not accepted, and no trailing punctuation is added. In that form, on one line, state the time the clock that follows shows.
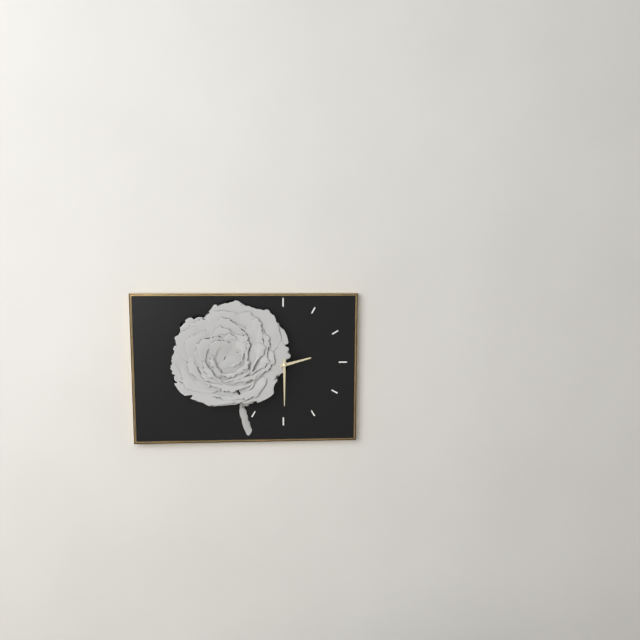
**2:30**
